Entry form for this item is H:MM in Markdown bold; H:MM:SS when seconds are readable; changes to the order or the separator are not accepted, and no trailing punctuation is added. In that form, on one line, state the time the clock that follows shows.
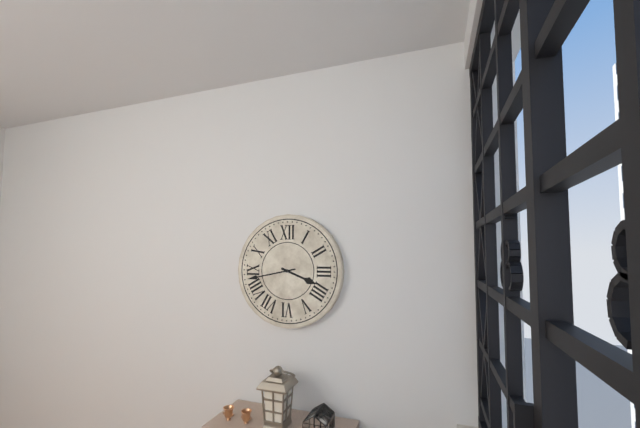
**3:43**
